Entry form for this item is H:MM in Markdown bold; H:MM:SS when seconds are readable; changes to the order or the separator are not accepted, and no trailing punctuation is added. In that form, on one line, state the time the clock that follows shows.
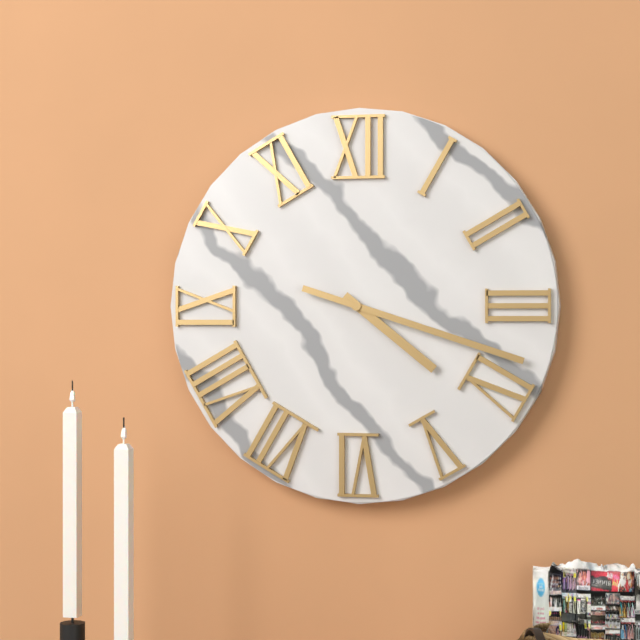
**4:18**
